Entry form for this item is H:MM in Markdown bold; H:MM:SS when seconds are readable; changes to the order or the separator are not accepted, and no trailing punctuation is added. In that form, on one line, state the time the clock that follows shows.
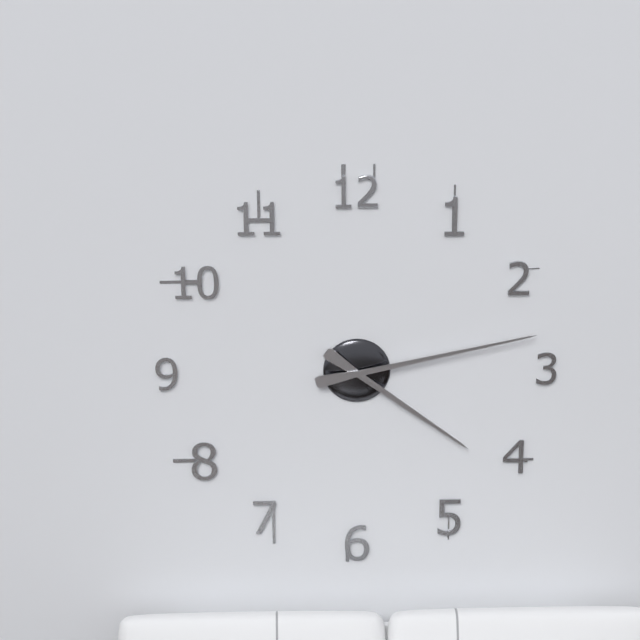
**4:13**
